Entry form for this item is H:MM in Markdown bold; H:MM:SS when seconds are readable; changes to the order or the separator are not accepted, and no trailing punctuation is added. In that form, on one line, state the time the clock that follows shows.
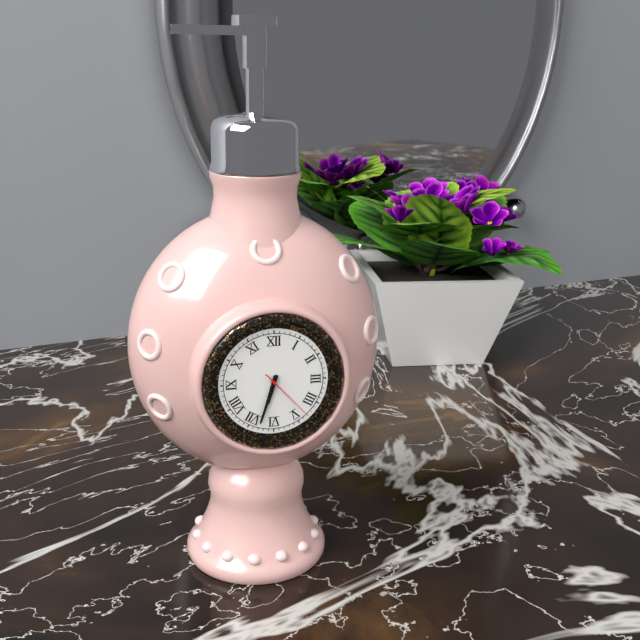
**6:33:23**
